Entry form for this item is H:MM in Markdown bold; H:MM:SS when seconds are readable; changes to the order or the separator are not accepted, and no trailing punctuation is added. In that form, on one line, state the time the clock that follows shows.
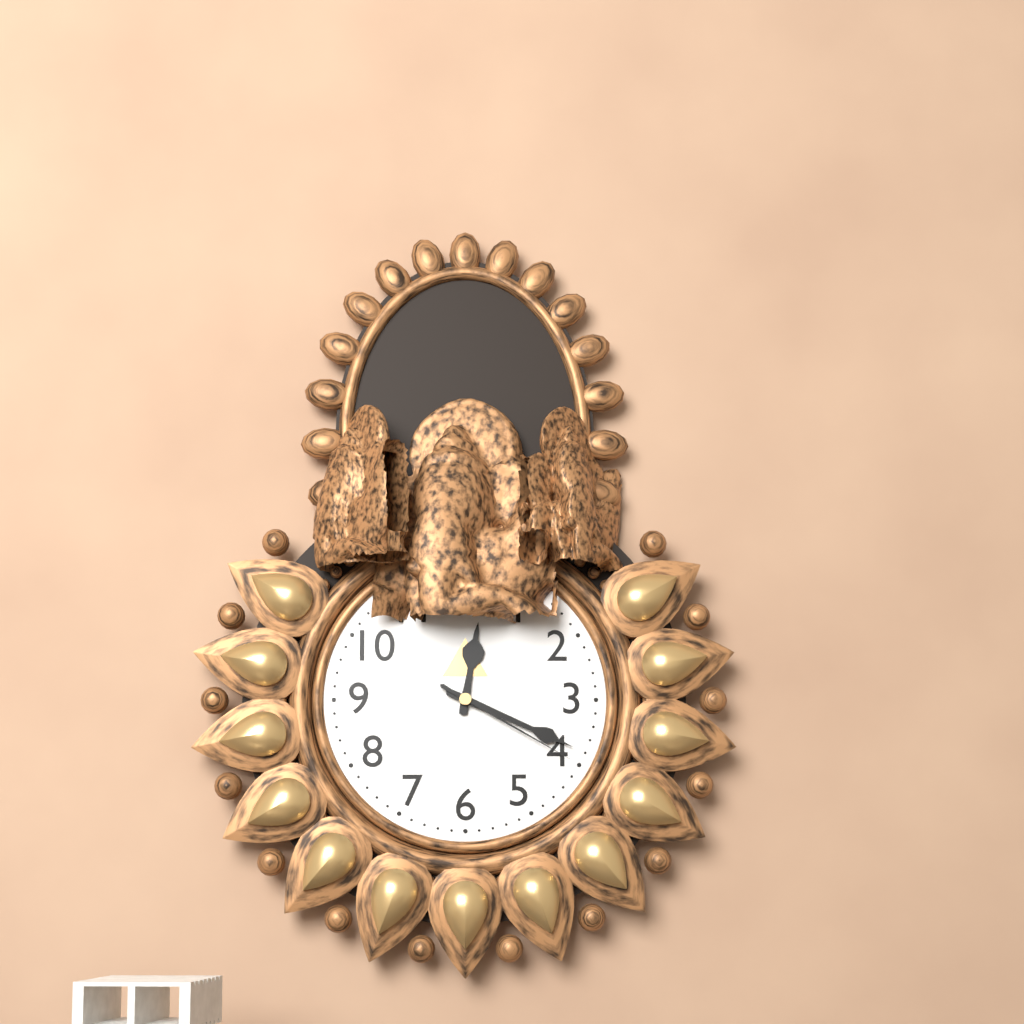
**12:19:20**
